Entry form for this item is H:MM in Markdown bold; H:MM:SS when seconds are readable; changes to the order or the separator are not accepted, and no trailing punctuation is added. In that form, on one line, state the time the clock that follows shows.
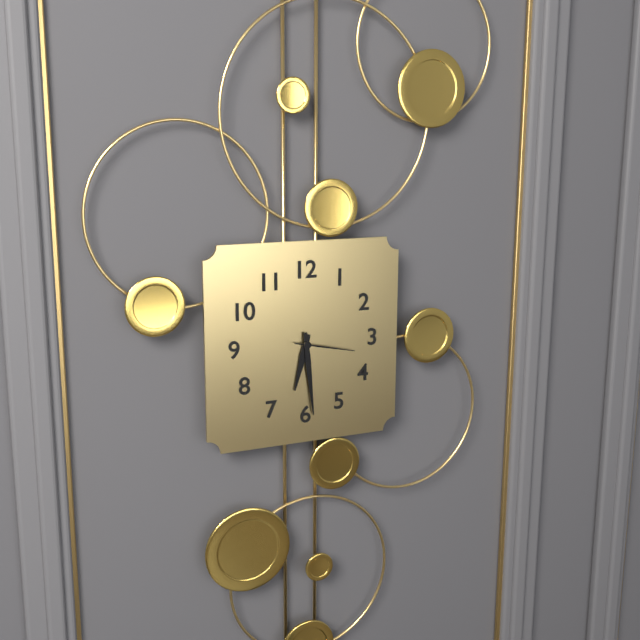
**6:29:17**
